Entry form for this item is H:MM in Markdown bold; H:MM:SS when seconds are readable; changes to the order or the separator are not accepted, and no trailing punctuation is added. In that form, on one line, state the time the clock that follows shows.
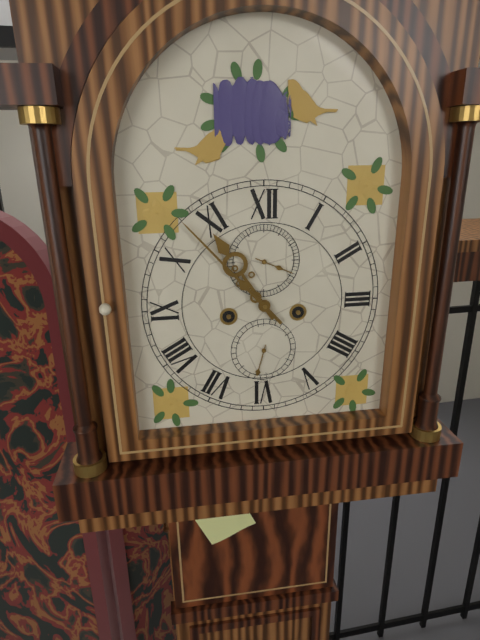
**10:53**
